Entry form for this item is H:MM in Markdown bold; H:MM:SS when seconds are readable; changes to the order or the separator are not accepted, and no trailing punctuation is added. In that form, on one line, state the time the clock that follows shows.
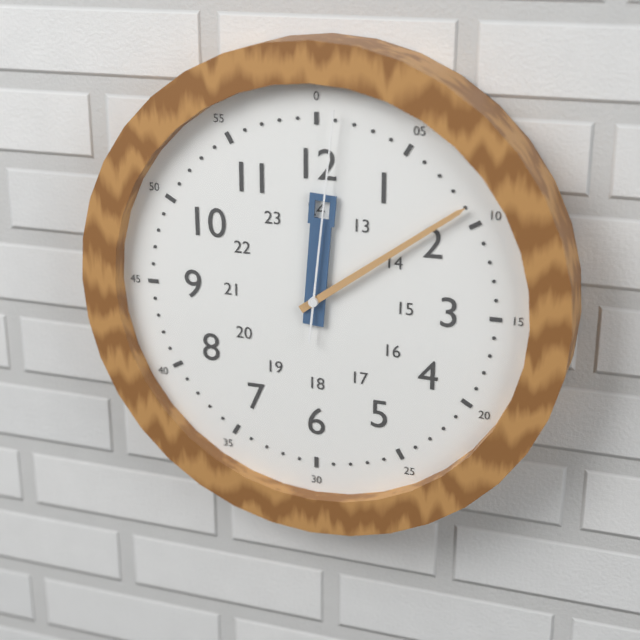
**12:09:01**
